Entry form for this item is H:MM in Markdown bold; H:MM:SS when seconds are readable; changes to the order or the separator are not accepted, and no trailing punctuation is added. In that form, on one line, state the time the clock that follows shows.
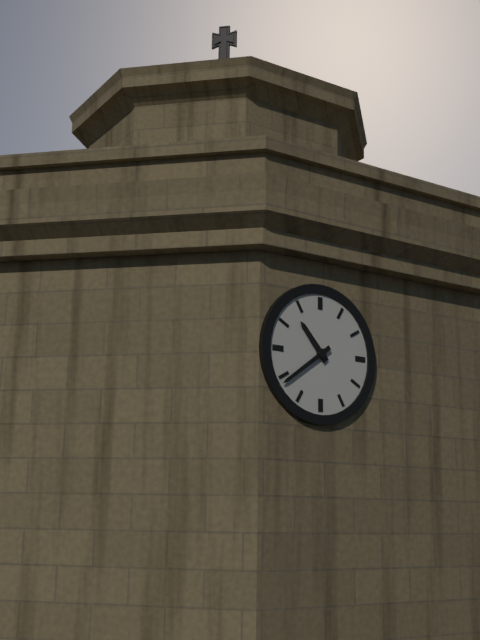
**10:39**
